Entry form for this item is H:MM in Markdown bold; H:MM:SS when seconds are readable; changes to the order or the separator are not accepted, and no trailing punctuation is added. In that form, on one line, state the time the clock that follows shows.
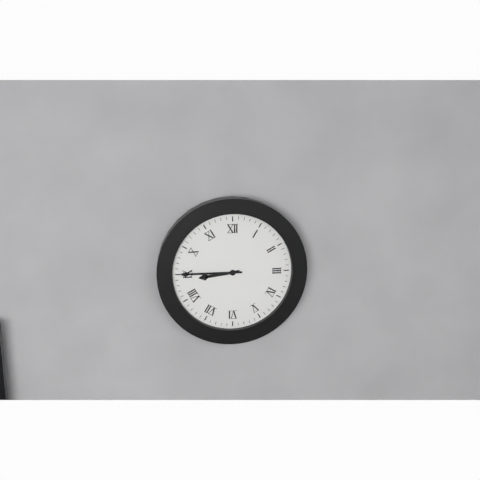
**8:45**
